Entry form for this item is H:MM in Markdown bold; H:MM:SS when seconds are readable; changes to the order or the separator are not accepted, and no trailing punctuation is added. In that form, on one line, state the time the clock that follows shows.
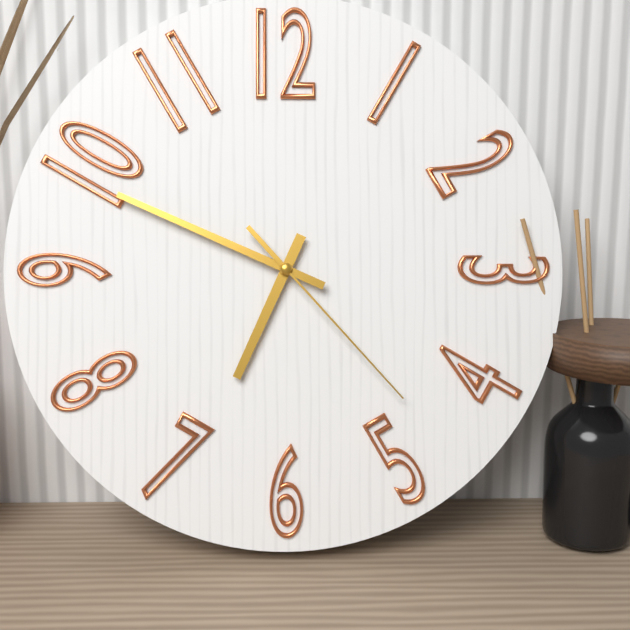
**6:49:23**
